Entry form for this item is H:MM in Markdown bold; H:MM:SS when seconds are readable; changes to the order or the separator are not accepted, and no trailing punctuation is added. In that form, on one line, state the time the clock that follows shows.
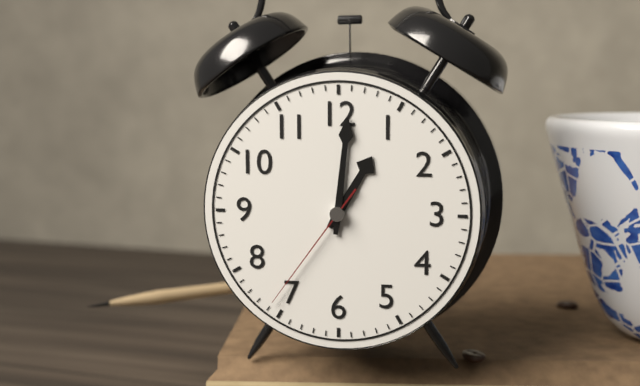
**1:01:36**
